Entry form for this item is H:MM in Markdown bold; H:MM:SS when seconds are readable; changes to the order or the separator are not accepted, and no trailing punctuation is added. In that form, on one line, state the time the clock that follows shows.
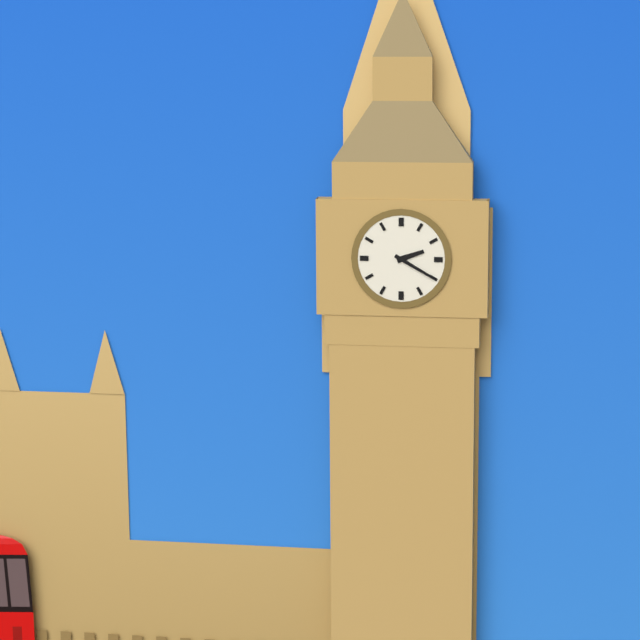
**2:20**
